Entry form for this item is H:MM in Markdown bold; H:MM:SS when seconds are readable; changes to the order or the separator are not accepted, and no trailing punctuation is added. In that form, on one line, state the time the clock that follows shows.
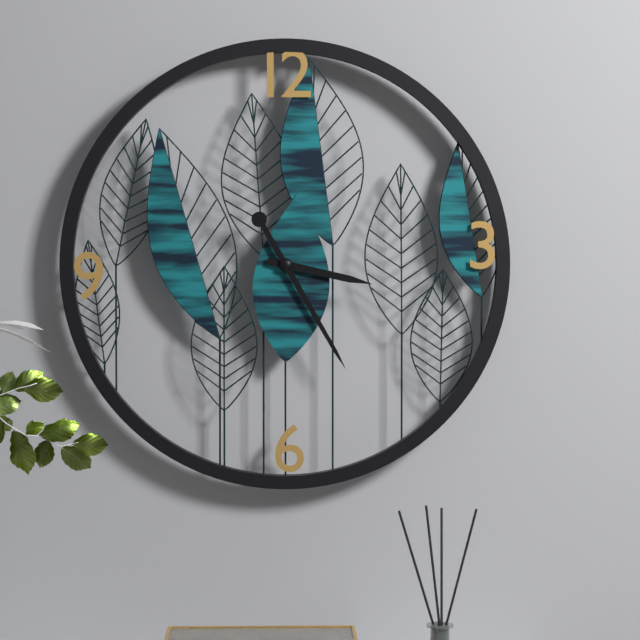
**3:25**
